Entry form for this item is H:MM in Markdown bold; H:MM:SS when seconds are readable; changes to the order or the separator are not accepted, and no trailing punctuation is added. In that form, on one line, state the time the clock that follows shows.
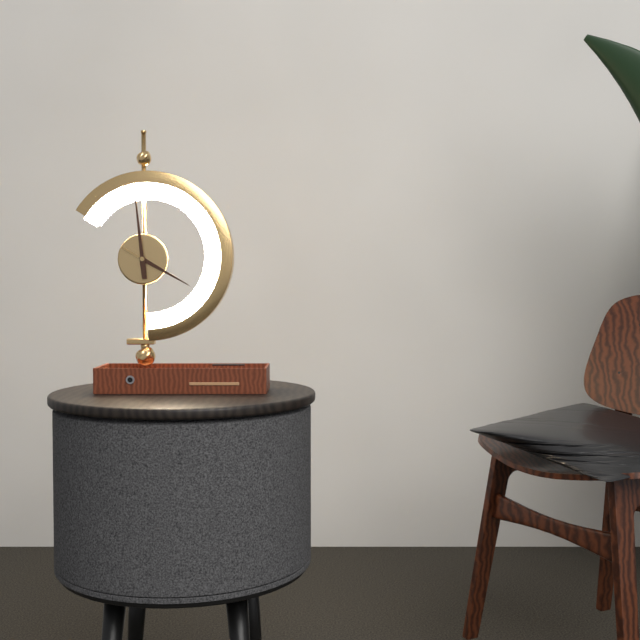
**3:59**
